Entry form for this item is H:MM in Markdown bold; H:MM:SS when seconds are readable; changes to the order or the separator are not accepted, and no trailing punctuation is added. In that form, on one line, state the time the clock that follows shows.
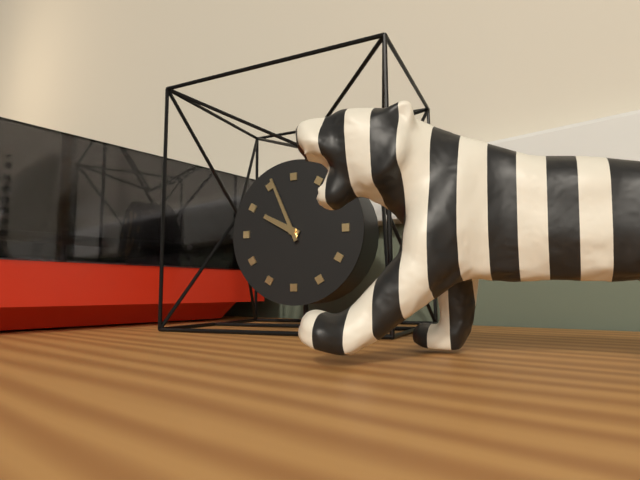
**9:56**
